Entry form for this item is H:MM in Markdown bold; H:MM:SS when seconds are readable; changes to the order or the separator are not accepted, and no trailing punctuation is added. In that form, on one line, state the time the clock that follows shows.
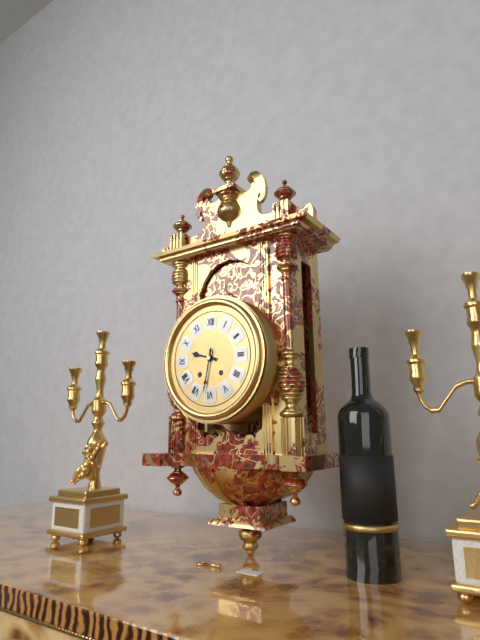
**9:32**
